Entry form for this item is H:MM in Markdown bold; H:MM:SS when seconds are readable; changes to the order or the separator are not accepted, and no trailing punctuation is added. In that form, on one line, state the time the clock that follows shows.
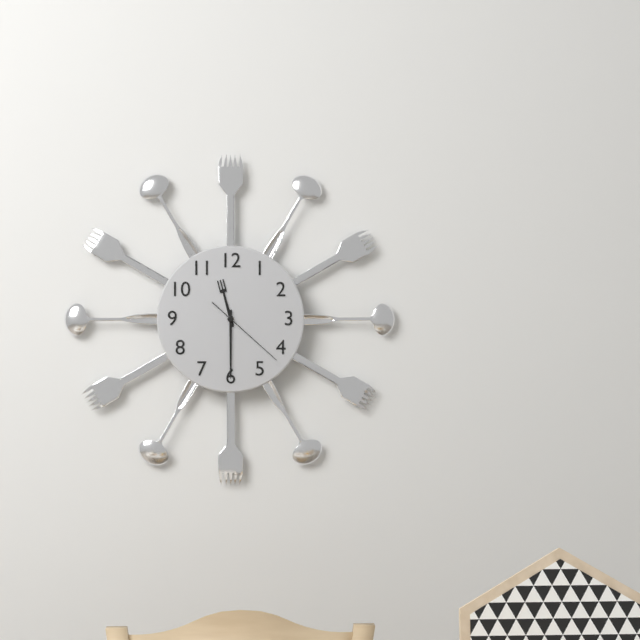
**11:30:22**
